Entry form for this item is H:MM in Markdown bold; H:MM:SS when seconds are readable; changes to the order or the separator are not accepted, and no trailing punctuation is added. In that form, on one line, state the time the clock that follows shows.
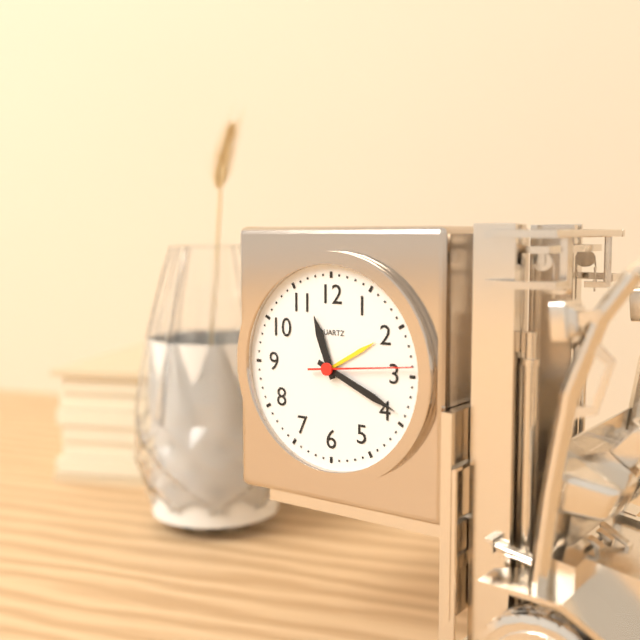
**11:19:14**
